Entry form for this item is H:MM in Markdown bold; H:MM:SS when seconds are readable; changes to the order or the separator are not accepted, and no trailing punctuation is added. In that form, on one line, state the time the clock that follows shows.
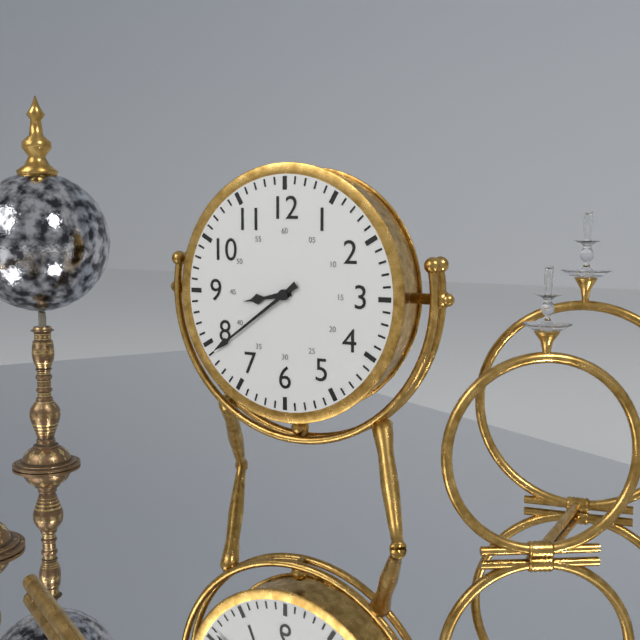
**8:39**
